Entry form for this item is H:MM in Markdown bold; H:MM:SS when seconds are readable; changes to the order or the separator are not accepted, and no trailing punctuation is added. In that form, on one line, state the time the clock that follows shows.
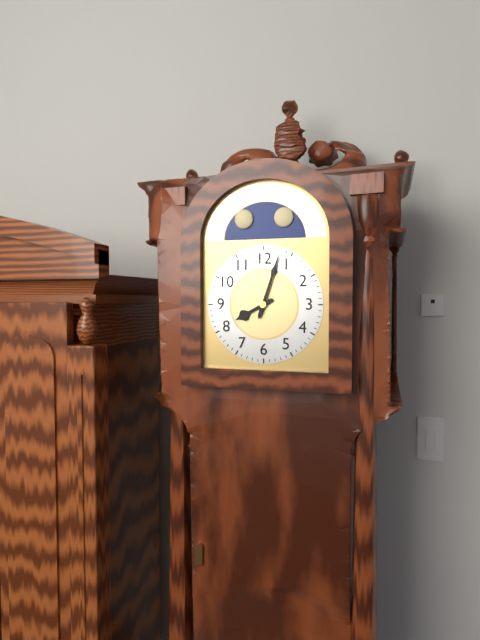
**8:03**
